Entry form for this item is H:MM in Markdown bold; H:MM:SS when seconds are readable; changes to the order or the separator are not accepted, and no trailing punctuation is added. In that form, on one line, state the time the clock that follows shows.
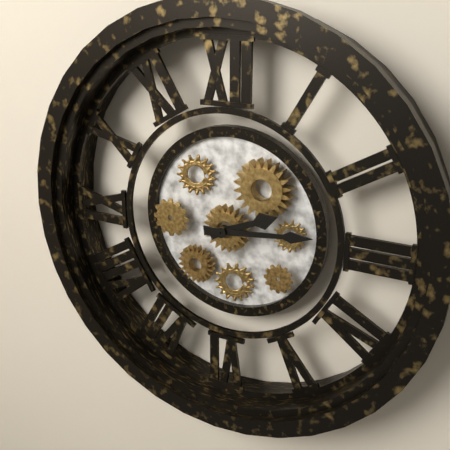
**2:14**
